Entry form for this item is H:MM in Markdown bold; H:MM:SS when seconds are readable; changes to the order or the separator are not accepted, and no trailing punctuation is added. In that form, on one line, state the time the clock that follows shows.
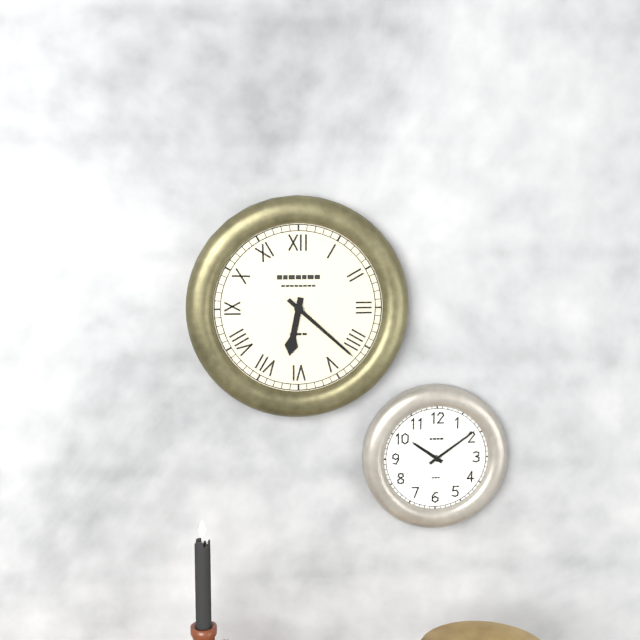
**6:22**
